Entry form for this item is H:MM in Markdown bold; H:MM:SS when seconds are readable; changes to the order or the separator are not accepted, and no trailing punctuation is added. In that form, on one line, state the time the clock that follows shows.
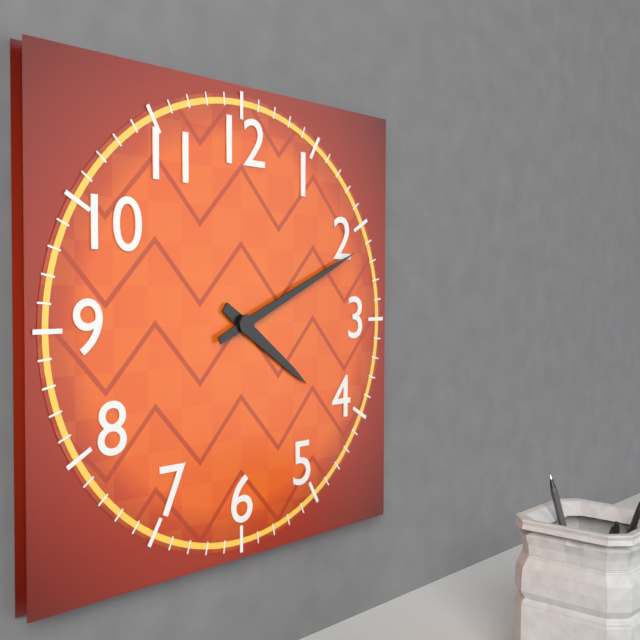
**4:11**
